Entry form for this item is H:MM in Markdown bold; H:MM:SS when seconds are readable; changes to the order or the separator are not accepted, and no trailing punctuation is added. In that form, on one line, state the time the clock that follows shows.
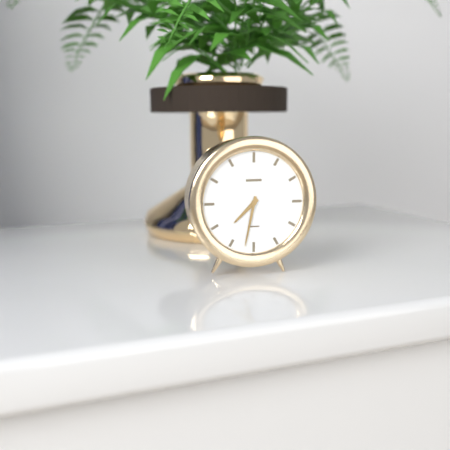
**7:32**
